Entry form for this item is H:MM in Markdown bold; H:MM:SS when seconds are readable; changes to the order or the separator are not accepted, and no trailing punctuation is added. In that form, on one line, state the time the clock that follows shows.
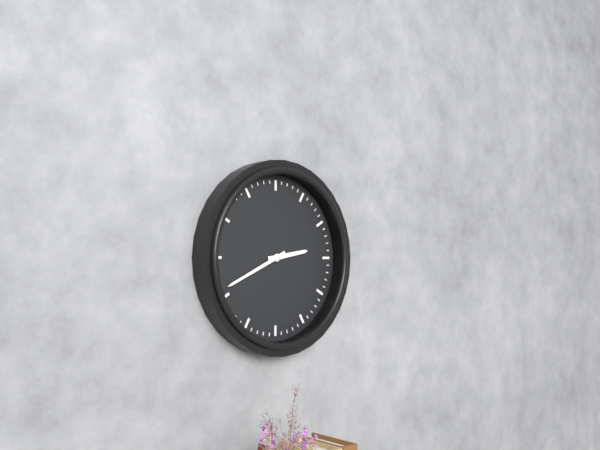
**2:41**
